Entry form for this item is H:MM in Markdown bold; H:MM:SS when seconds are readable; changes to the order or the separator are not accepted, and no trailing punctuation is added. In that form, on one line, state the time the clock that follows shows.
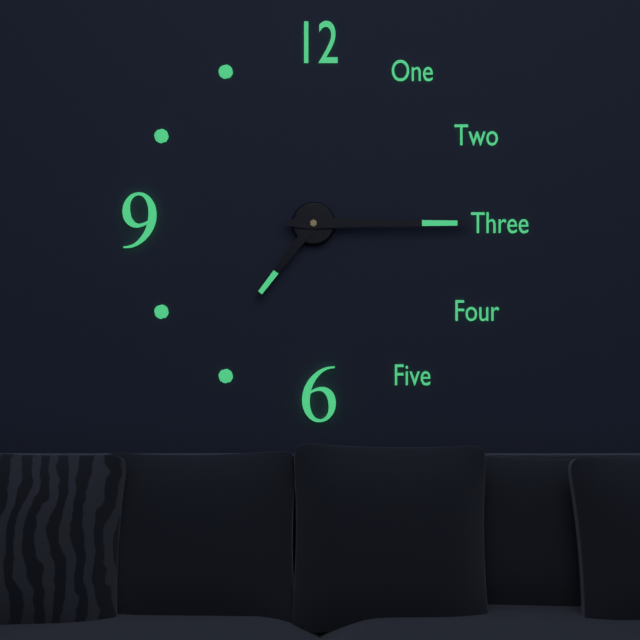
**7:15**
